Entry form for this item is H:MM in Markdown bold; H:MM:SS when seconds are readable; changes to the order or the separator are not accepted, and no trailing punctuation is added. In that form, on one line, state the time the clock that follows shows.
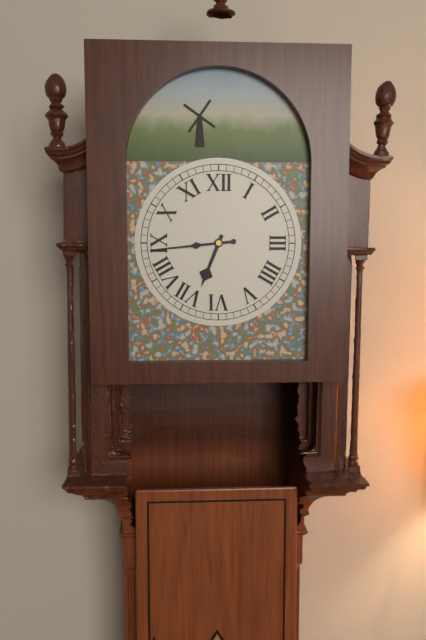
**6:44**
